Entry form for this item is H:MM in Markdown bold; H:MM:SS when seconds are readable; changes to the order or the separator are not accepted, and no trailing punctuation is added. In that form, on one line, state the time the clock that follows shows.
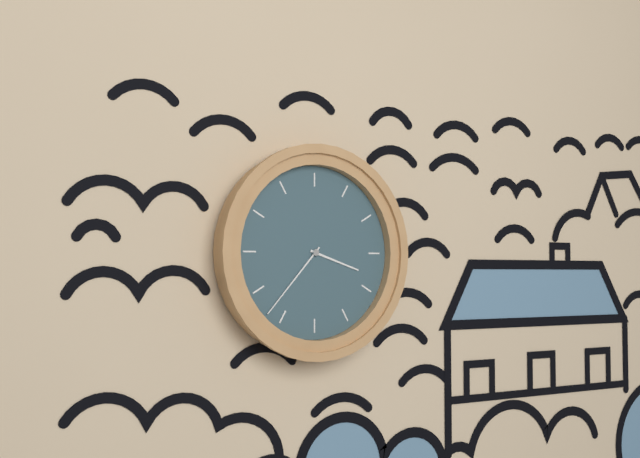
**3:37**
